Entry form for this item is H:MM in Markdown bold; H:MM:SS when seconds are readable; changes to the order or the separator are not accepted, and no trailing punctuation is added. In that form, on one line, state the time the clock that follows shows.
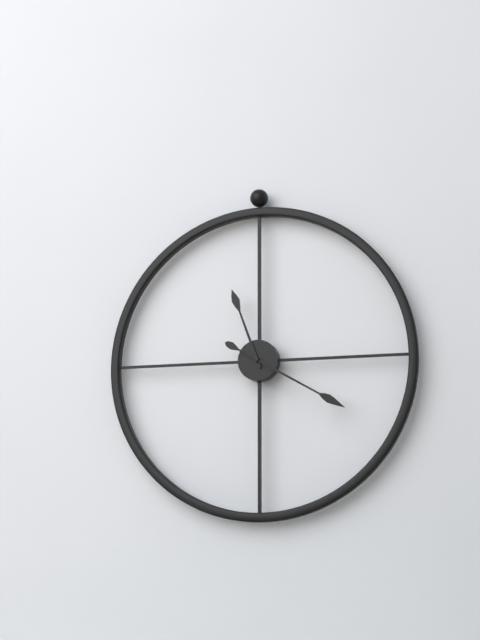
**11:20**
